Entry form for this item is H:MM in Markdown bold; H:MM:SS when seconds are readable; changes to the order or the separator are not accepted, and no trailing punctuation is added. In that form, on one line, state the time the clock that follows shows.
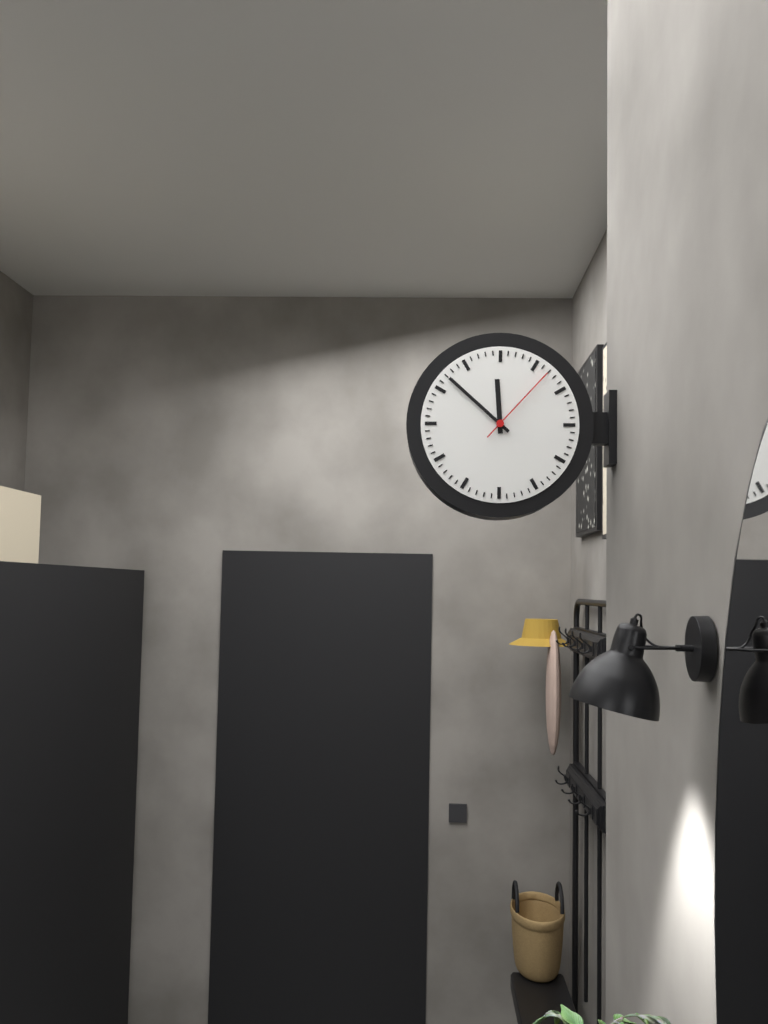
**11:52:07**
